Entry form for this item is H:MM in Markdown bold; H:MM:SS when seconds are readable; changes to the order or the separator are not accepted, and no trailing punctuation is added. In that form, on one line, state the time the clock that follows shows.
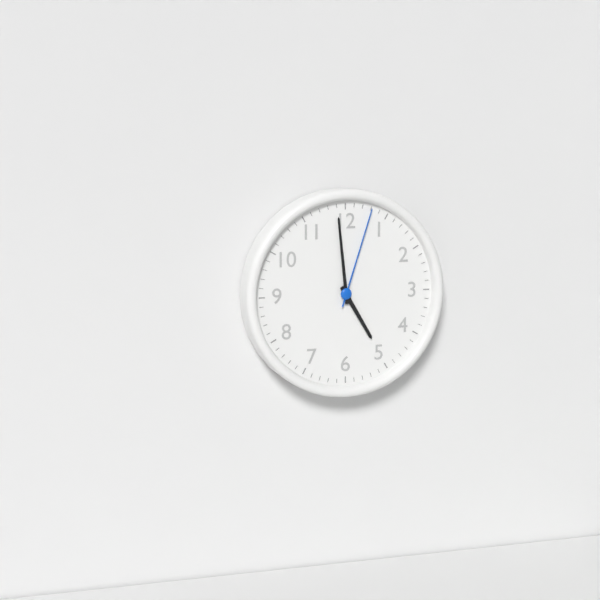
**4:59:03**
